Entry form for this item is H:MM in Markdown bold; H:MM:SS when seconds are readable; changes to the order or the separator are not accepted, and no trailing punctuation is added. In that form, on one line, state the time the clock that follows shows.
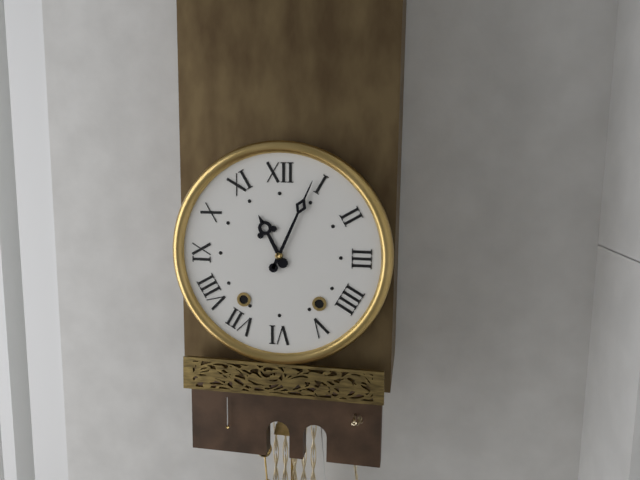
**11:04**
